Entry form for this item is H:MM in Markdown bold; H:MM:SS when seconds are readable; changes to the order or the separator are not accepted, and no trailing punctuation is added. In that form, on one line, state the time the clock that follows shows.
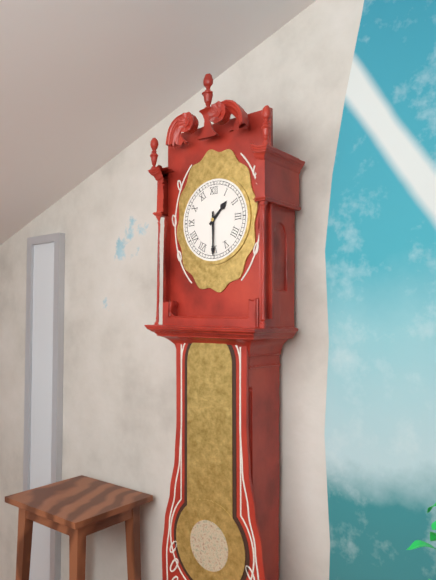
**1:30**
